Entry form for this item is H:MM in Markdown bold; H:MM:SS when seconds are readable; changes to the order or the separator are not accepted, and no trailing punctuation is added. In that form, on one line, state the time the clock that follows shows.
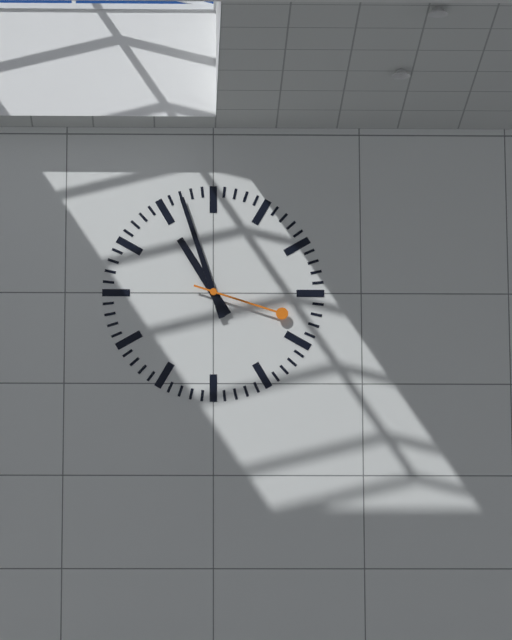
**10:57:18**
